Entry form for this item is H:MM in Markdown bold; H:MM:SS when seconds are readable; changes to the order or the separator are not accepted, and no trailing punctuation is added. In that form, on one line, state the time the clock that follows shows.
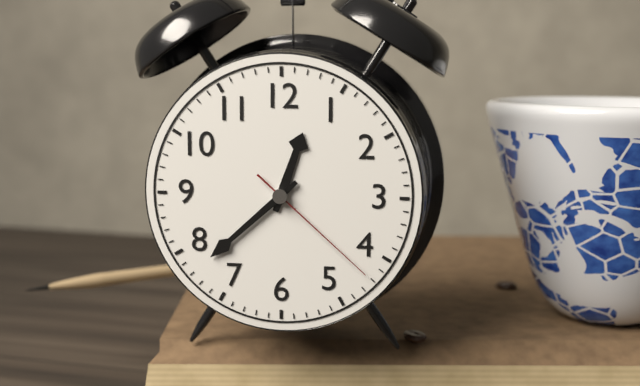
**12:38:22**
